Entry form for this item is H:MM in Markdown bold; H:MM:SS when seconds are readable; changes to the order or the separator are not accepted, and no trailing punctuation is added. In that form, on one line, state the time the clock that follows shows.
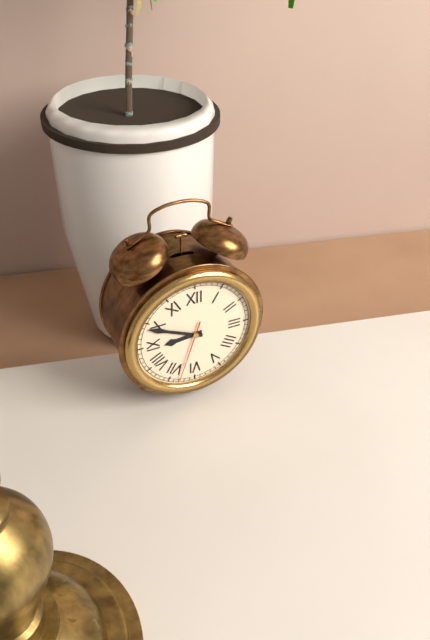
**8:49:33**
